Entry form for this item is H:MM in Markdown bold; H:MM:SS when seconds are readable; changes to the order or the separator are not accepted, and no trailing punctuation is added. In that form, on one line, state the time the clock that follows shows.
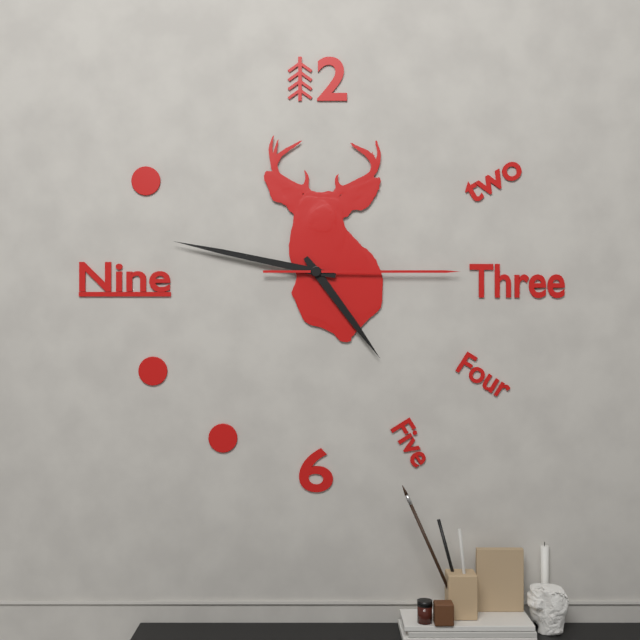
**4:47:15**
